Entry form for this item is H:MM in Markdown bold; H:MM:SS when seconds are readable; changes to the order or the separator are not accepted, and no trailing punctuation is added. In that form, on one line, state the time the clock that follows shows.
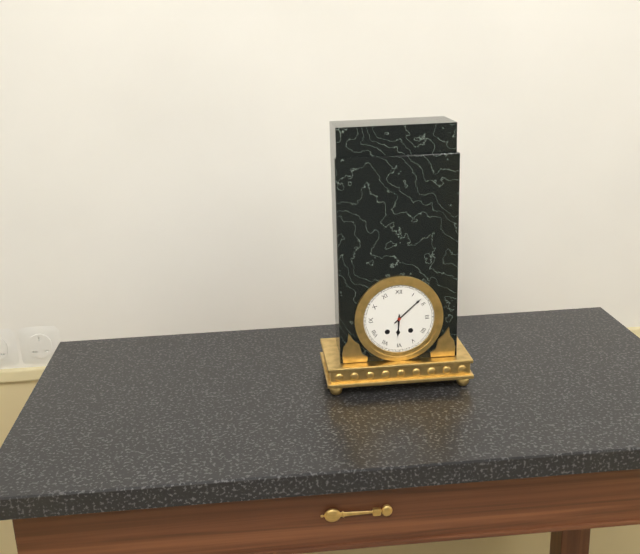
**6:08**
